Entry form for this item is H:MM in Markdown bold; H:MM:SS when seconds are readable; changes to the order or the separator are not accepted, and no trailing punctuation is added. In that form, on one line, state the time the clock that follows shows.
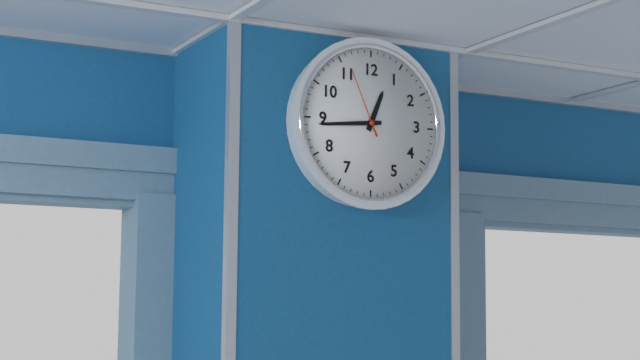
**12:44:56**
